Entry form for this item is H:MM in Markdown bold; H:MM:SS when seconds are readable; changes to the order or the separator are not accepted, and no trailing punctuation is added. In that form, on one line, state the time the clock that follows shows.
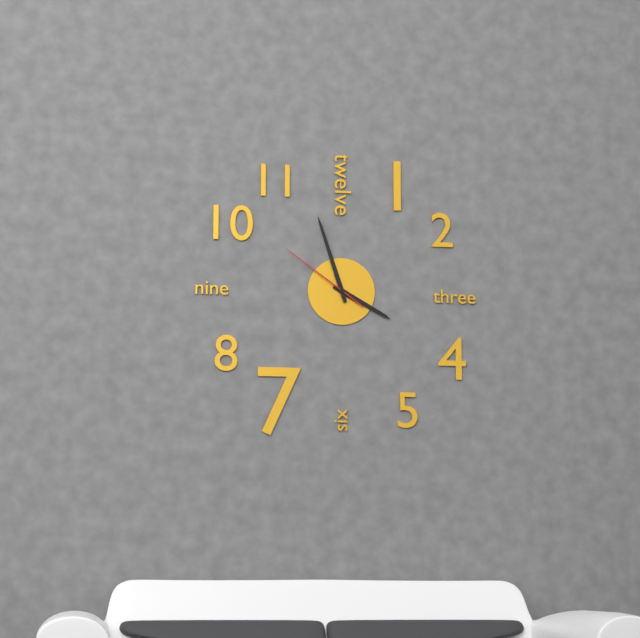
**3:57:51**
